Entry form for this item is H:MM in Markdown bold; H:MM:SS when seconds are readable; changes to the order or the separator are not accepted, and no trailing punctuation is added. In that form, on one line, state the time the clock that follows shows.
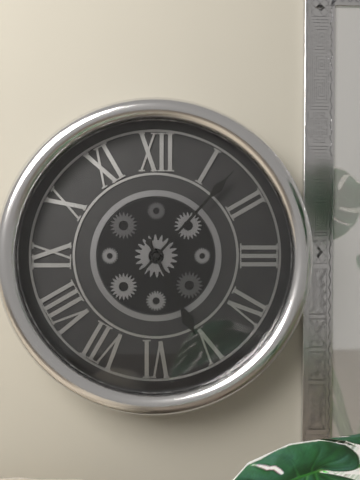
**5:07**
